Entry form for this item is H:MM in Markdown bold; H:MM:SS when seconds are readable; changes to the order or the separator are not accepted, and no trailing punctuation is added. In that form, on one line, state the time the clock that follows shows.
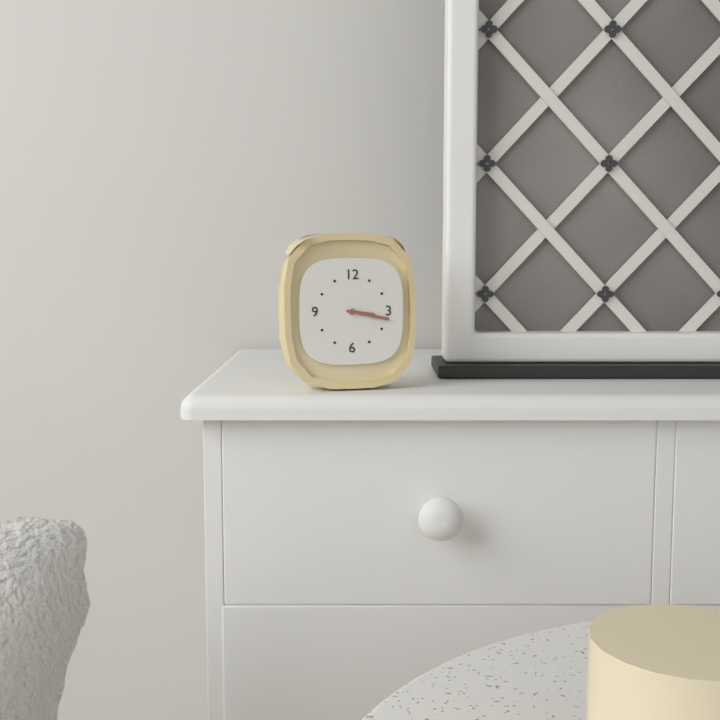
**3:17**
